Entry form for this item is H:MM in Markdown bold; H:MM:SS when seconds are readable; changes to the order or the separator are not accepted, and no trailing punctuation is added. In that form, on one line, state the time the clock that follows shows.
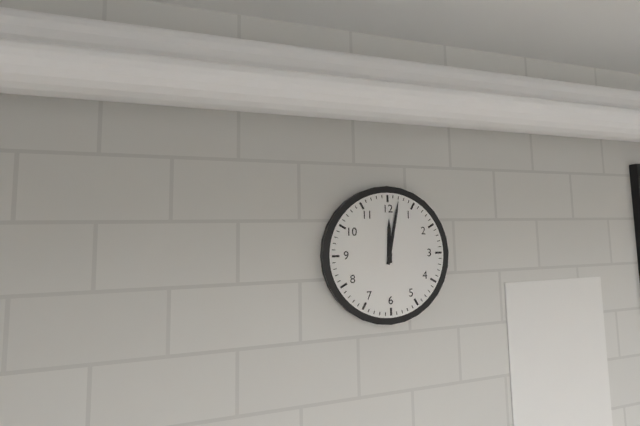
**12:02**
